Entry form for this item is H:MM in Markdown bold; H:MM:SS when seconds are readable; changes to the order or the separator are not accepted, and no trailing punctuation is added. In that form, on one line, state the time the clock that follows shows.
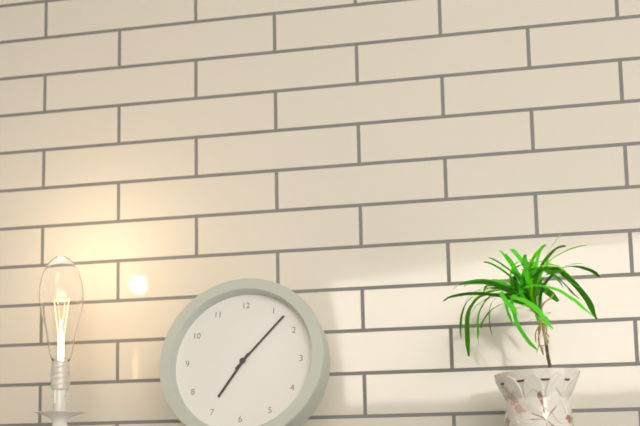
**7:07**
